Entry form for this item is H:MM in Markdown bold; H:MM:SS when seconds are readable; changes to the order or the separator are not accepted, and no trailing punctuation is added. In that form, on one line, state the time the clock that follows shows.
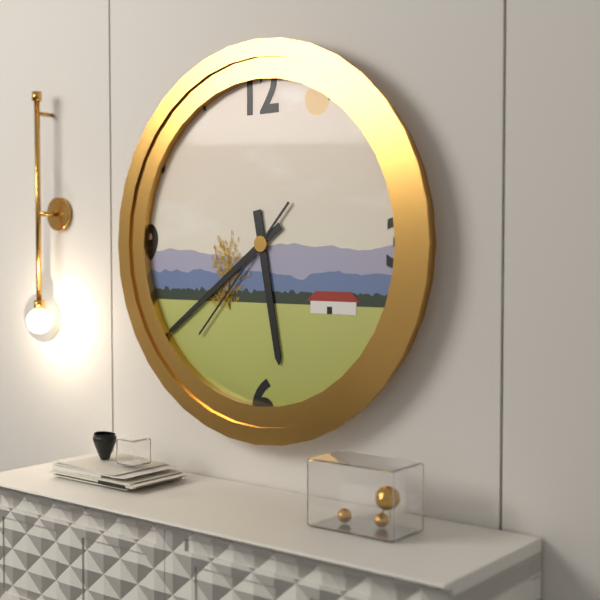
**5:39:37**
